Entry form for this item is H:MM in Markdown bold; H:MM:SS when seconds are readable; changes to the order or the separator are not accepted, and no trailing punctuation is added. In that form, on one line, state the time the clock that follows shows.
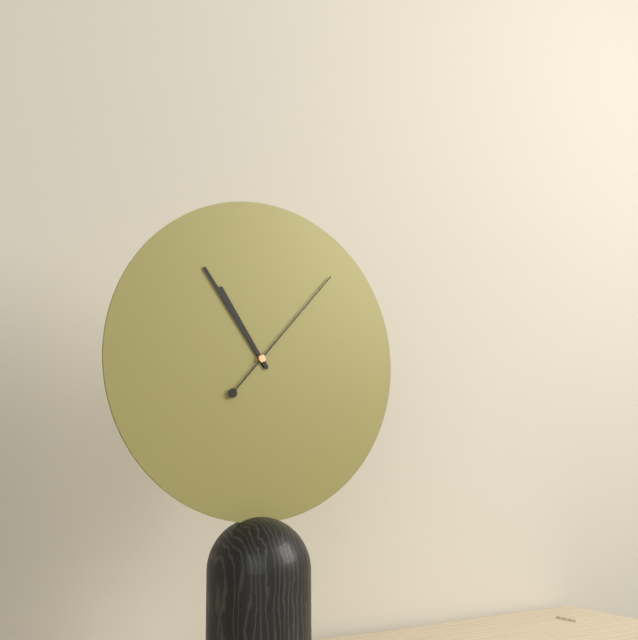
**10:54:07**
